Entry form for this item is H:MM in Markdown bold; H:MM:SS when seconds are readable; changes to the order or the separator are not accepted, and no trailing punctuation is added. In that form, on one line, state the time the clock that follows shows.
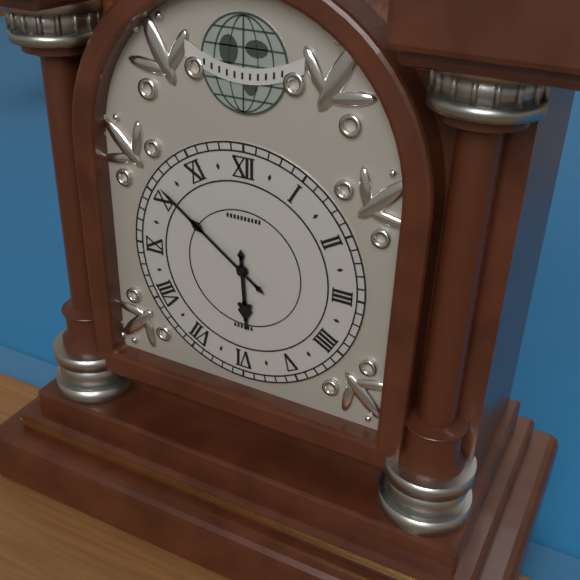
**5:51**
